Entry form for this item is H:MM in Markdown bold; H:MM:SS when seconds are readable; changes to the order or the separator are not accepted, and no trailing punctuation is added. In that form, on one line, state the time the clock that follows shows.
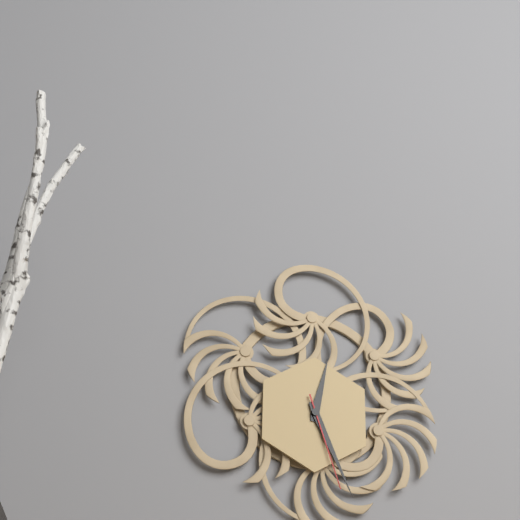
**12:26:27**
